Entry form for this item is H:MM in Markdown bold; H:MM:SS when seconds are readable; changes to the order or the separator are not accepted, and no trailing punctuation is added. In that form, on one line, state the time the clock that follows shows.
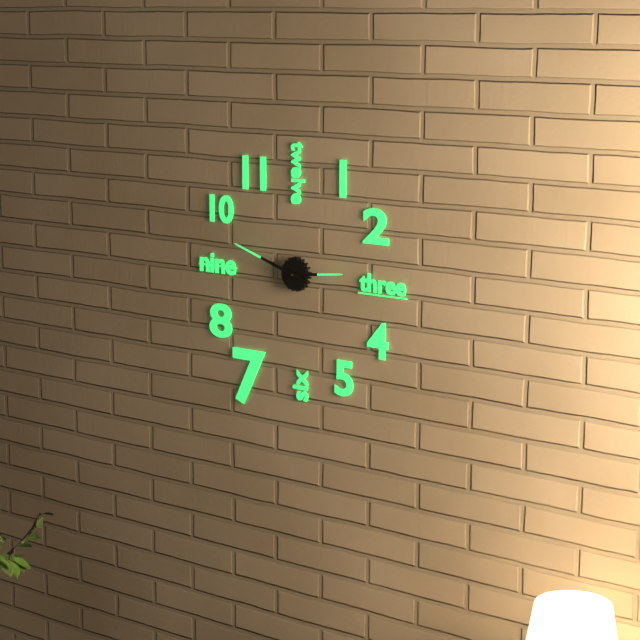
**2:48**
